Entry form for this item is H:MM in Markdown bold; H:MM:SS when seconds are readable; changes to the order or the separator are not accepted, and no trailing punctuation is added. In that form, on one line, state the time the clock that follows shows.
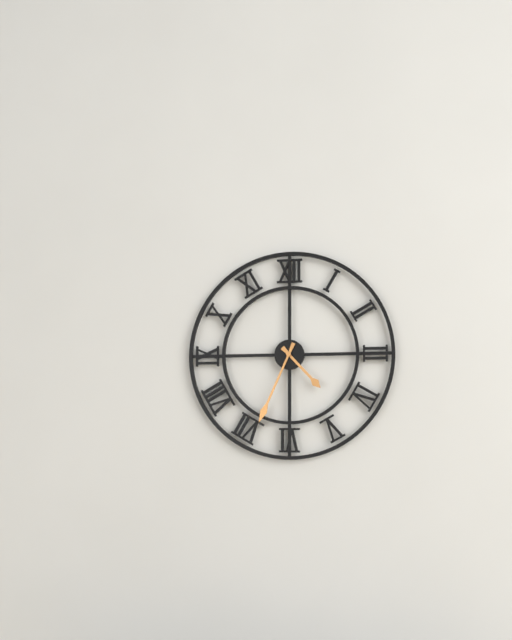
**4:34**
